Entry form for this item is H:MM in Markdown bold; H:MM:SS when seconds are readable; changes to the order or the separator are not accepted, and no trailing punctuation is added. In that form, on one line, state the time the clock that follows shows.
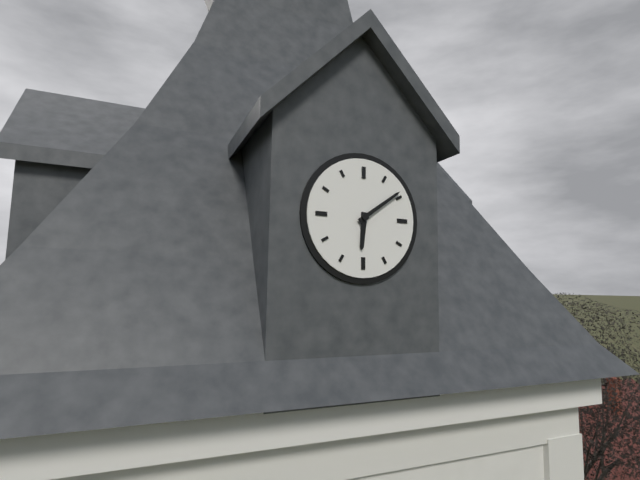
**6:09**
